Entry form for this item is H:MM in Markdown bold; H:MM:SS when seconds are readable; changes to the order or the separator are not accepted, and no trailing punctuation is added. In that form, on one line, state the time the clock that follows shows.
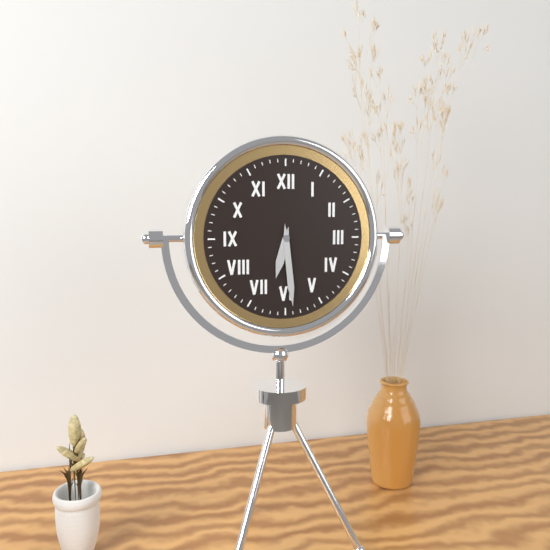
**6:29**
